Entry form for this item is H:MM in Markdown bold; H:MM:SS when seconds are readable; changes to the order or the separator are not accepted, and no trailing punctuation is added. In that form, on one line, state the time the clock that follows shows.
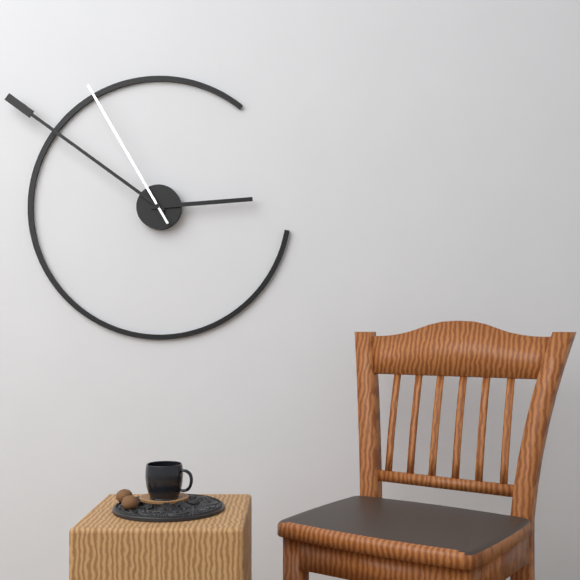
**2:51:55**
